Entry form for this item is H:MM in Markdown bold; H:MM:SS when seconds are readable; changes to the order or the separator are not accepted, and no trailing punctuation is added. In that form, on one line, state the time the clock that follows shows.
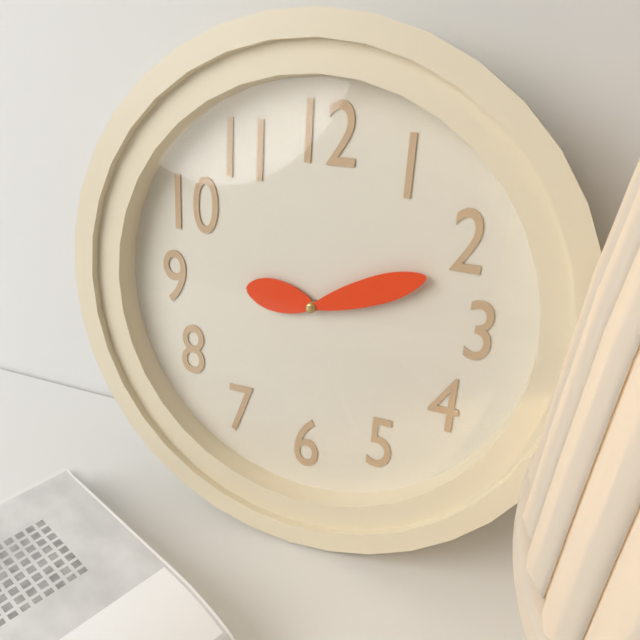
**9:11**
